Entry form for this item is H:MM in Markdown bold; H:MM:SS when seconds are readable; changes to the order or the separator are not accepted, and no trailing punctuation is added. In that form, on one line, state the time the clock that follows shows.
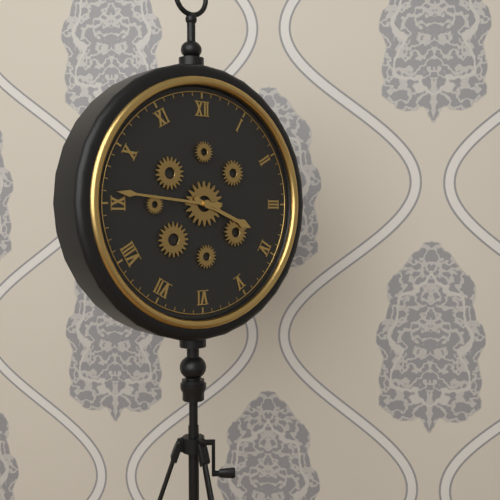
**3:46**
